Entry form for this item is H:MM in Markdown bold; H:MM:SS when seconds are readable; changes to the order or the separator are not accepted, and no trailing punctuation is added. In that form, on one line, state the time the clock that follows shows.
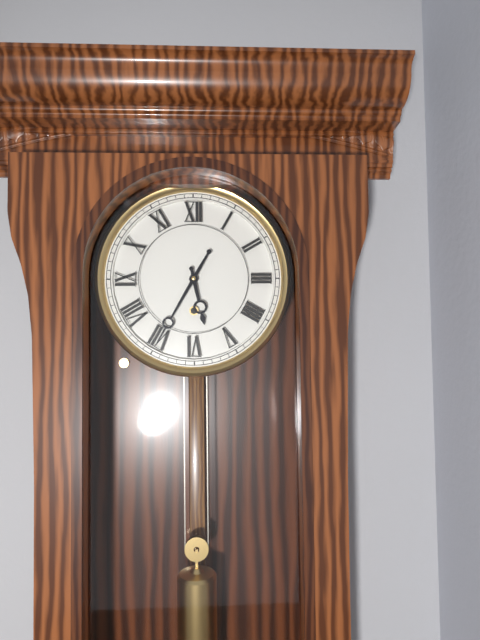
**5:35**
